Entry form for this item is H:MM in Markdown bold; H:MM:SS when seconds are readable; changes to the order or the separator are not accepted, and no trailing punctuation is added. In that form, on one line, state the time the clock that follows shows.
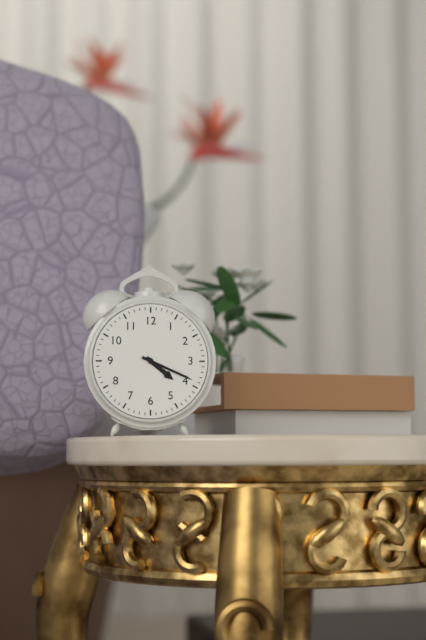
**4:19**
